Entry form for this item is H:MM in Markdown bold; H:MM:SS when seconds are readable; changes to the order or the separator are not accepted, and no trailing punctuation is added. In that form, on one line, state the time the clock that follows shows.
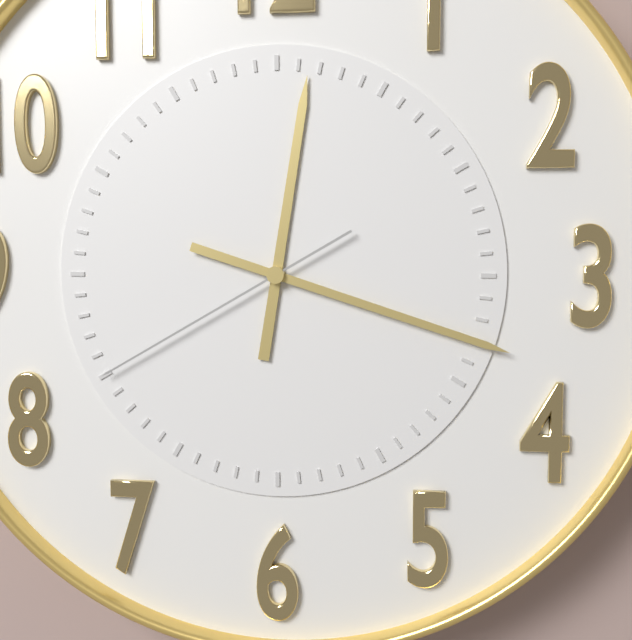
**12:18:40**
